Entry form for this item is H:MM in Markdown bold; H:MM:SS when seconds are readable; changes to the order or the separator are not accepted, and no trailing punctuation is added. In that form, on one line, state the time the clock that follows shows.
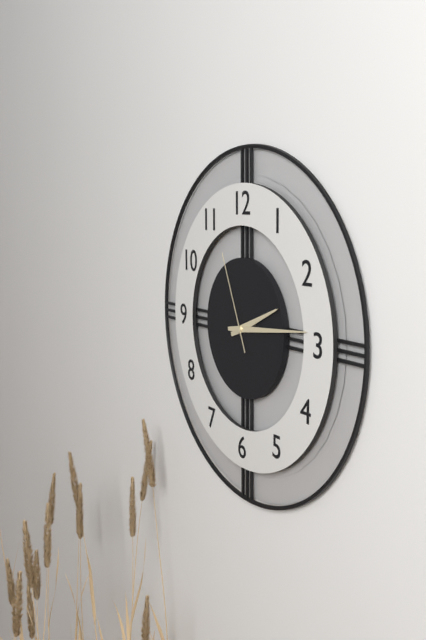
**2:14:56**
